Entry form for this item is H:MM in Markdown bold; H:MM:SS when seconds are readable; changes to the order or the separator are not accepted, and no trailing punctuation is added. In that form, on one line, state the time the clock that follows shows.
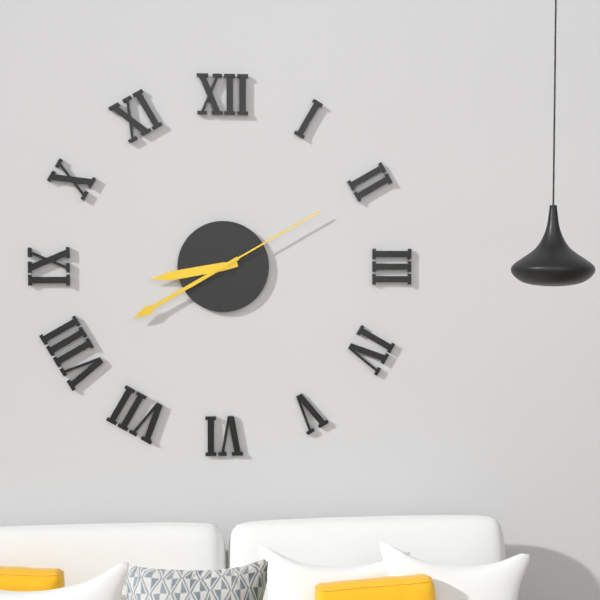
**8:40:10**
